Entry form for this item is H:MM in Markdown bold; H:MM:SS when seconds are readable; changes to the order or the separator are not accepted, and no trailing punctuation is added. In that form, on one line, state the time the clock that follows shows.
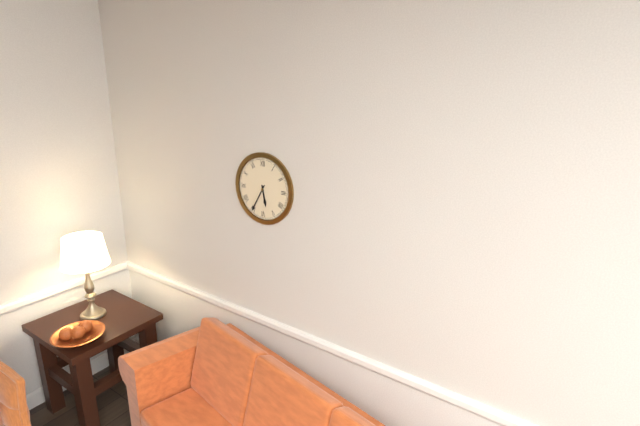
**5:35**
